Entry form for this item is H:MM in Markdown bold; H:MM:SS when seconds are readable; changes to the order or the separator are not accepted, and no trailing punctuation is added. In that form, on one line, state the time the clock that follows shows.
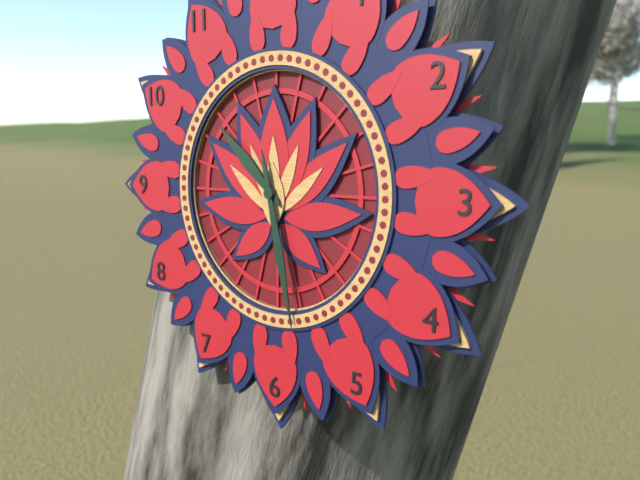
**10:28**
